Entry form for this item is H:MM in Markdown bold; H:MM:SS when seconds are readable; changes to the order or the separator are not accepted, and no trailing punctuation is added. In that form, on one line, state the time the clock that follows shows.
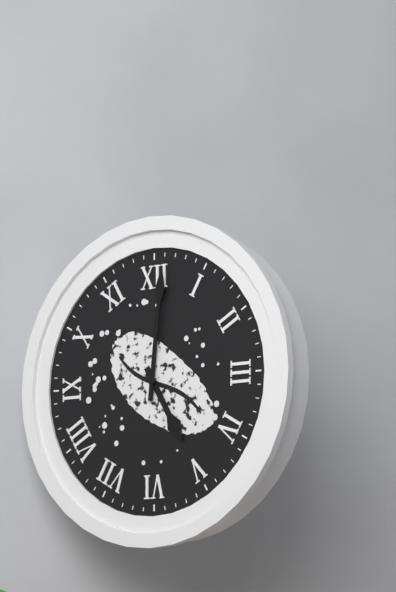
**5:01**
